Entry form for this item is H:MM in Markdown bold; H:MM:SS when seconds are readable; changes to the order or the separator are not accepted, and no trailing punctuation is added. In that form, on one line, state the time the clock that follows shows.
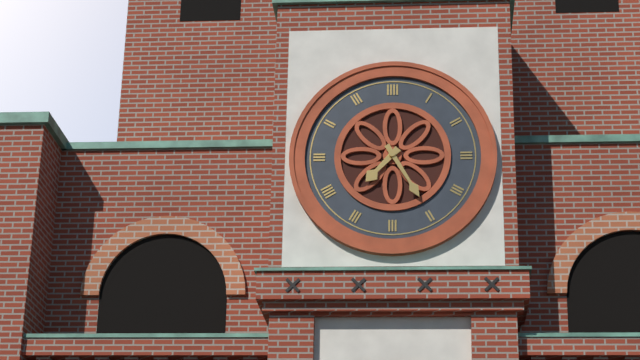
**7:25**
